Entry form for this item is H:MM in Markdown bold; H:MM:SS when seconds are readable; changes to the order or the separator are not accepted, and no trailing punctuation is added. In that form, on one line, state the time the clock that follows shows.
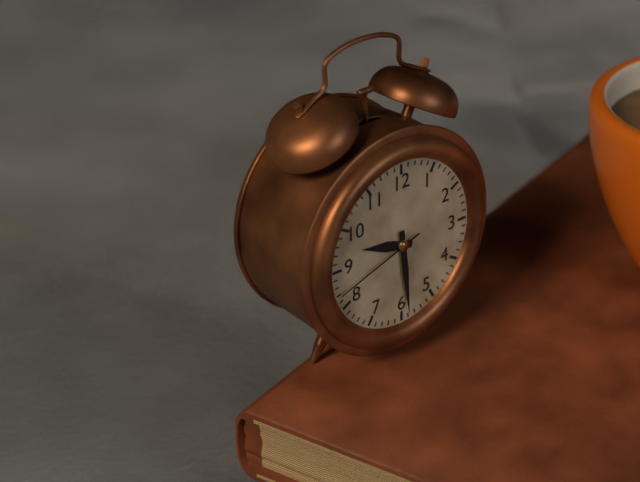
**9:29:42**
